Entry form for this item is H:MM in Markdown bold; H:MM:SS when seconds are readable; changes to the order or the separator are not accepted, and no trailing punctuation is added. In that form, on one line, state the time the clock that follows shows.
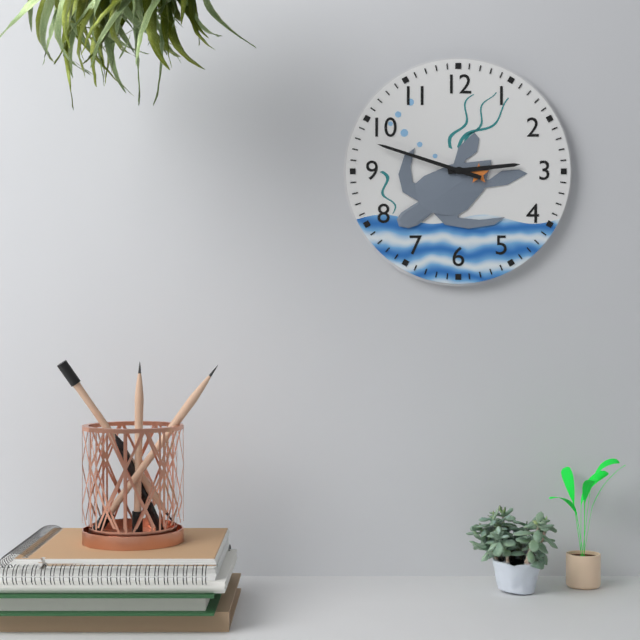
**2:48**
